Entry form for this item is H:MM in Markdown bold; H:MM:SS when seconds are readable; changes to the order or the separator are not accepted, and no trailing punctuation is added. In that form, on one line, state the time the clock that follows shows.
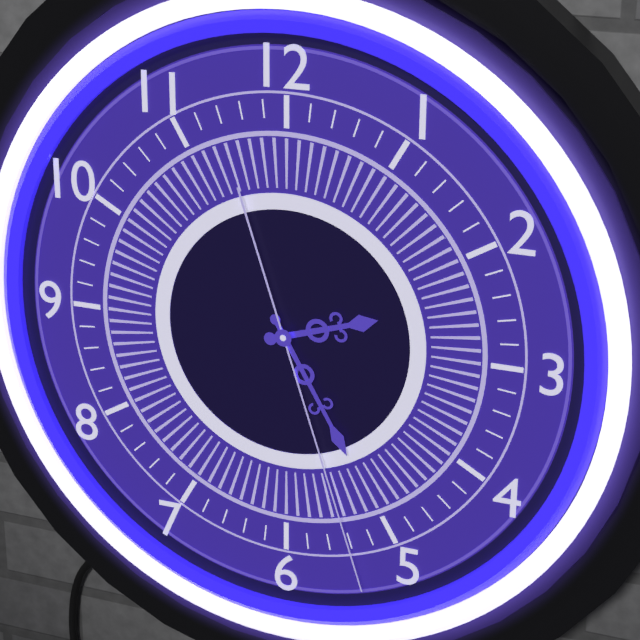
**2:25:27**
